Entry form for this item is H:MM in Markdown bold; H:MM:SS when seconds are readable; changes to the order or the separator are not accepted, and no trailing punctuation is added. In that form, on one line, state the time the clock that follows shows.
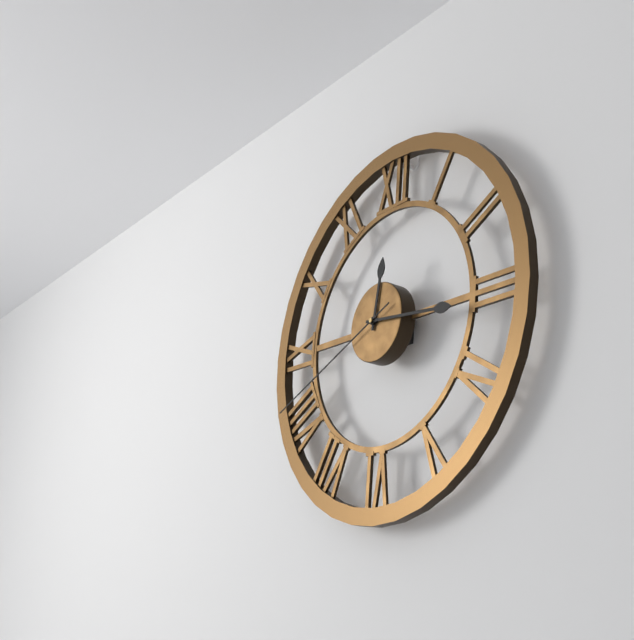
**12:16:41**
